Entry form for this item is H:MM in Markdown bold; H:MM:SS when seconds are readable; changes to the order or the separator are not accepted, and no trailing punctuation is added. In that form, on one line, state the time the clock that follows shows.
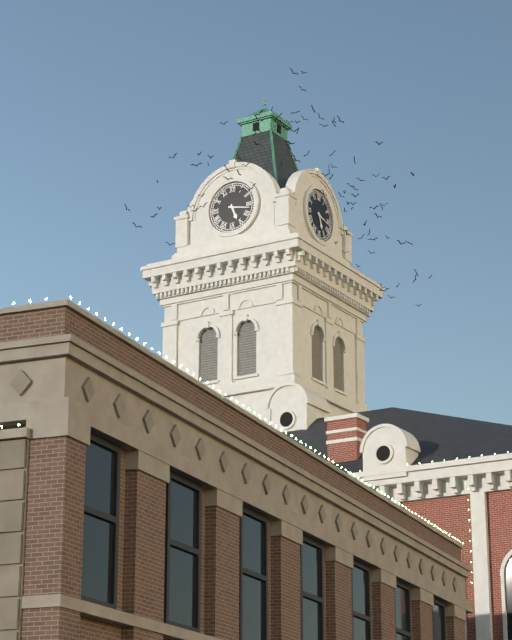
**5:17**
